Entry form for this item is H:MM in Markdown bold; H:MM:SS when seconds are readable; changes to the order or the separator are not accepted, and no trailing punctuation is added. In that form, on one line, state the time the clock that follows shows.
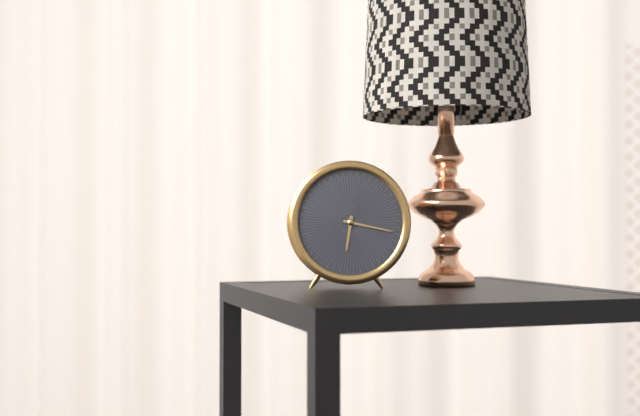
**6:17**
